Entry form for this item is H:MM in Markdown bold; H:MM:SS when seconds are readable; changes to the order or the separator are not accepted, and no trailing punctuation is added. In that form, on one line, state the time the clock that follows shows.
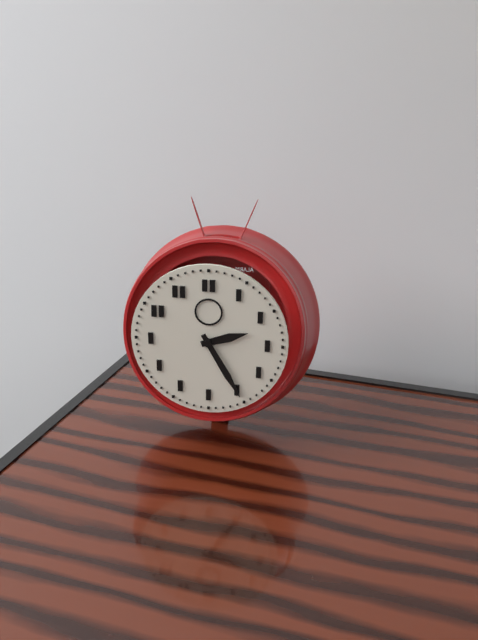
**2:25**
